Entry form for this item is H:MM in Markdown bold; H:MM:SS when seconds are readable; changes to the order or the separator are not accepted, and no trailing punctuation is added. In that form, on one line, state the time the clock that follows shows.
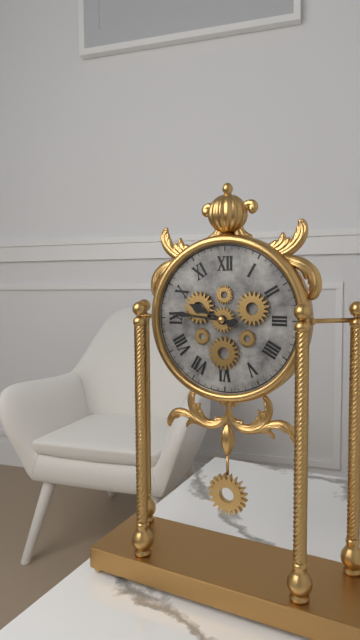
**9:46**
